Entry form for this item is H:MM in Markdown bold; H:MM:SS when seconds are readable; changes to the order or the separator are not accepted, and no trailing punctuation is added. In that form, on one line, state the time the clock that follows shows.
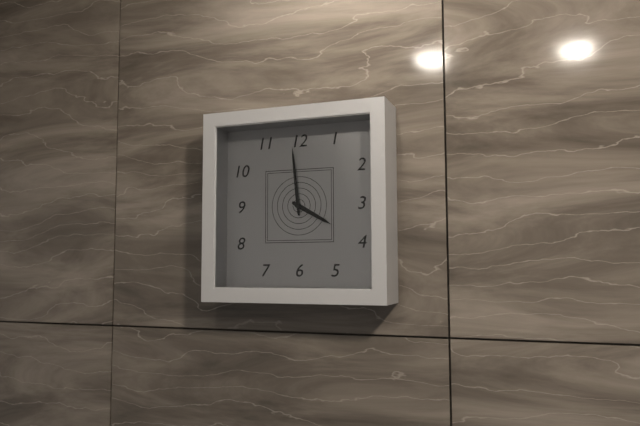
**3:59**
